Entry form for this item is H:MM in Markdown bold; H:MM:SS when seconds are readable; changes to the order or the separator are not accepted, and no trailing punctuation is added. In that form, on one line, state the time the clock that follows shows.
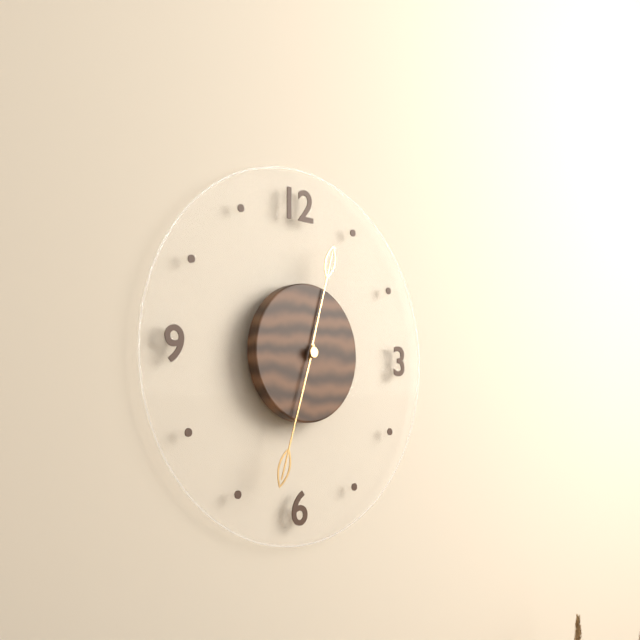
**12:33**
